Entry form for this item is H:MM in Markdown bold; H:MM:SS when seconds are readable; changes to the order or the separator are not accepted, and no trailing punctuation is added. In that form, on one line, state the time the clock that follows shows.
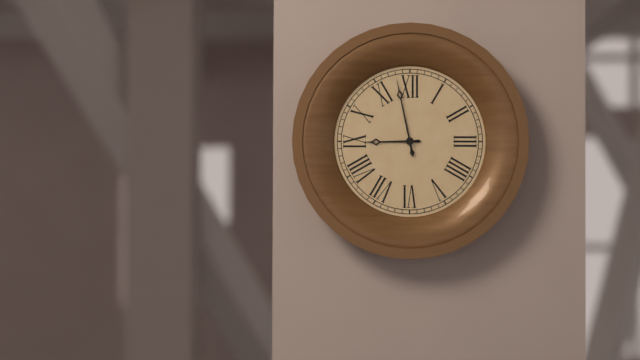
**8:58**
